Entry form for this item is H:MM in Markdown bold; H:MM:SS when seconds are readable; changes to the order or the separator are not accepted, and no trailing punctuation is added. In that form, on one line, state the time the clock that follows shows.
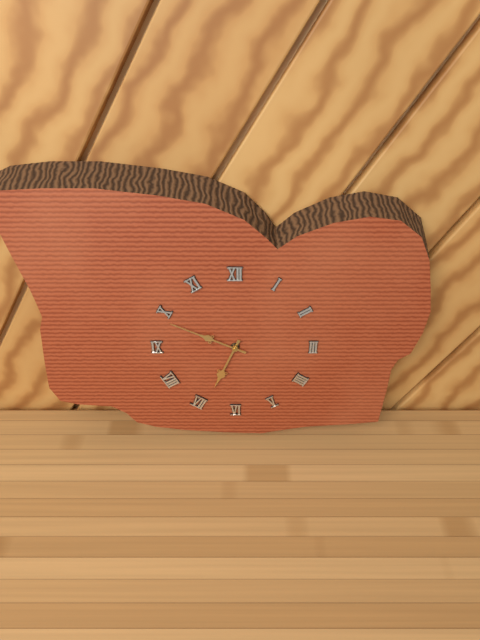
**6:49**
